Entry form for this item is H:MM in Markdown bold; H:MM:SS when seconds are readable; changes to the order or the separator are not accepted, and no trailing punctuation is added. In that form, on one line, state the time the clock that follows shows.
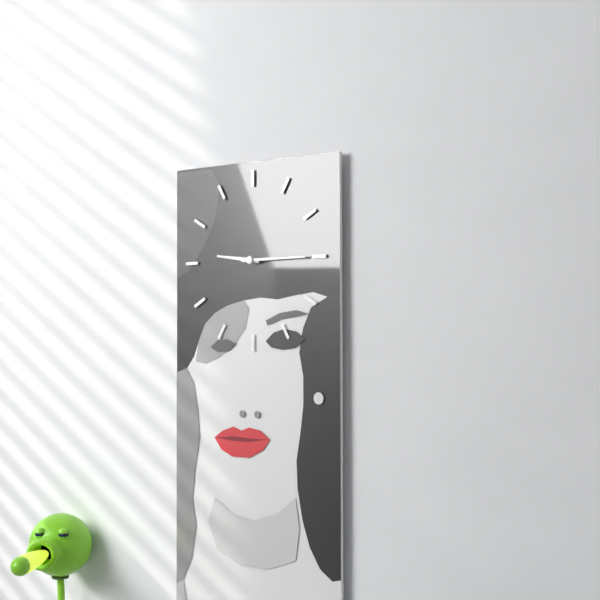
**9:15**
